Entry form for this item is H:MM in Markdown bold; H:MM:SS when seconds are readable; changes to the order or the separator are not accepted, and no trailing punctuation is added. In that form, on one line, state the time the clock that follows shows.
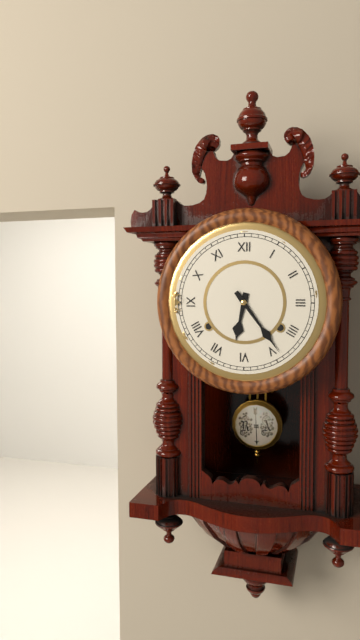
**6:24**
